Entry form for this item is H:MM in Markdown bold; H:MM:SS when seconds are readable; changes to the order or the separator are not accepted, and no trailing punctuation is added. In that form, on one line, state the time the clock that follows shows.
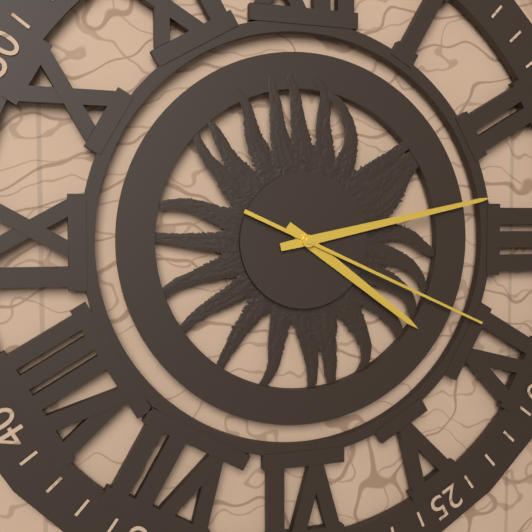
**4:13:19**
